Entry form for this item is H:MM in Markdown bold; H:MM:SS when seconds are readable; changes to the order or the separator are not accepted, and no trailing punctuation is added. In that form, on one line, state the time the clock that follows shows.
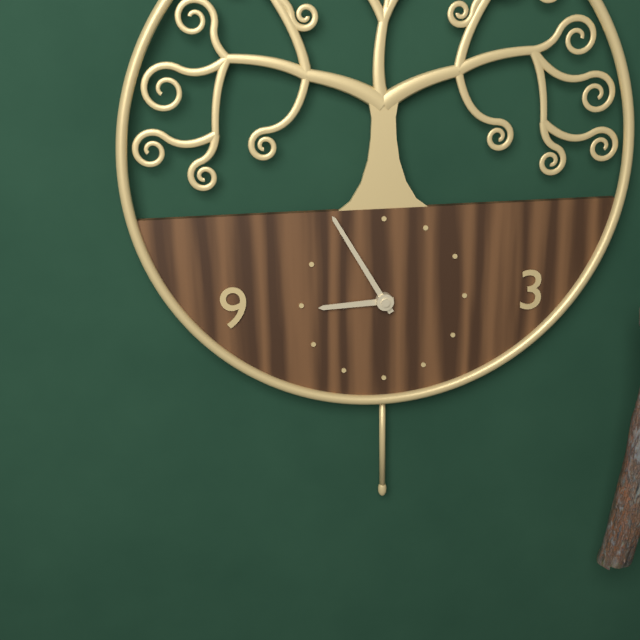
**8:55**
